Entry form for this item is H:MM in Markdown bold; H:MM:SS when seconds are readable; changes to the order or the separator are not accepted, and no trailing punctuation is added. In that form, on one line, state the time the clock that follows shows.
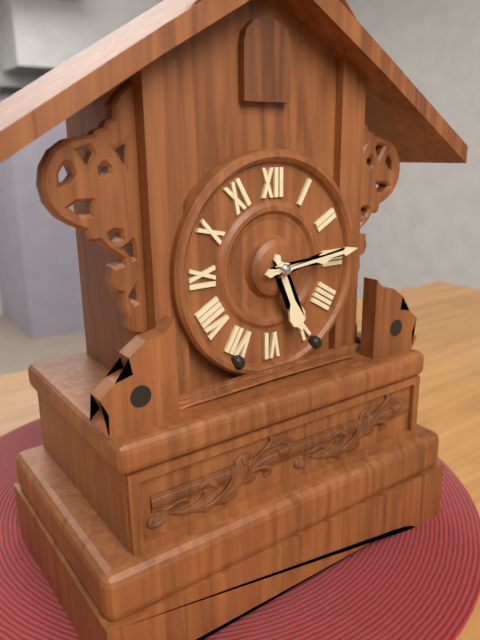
**5:14**
